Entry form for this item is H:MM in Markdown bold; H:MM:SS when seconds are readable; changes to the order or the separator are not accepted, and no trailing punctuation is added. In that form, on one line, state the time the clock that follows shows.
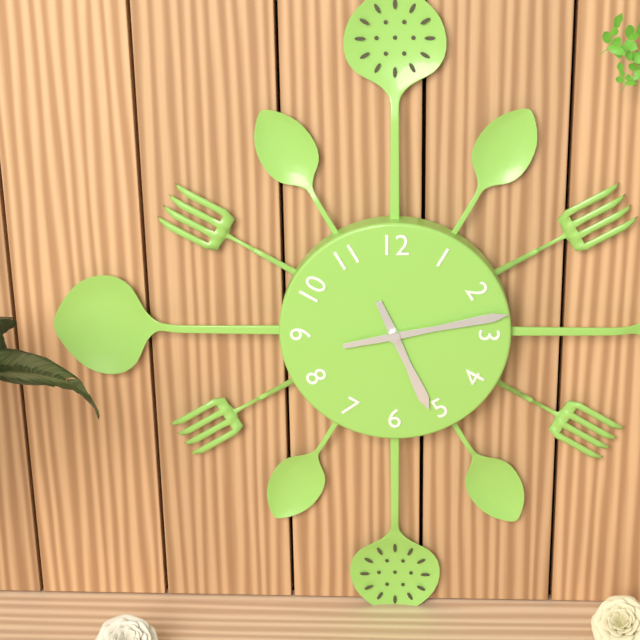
**5:13**
